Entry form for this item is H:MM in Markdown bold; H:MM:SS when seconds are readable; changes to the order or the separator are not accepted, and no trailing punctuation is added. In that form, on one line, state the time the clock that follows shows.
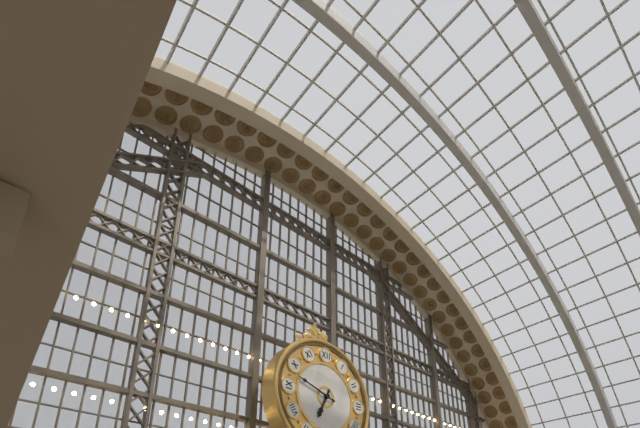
**6:48**
